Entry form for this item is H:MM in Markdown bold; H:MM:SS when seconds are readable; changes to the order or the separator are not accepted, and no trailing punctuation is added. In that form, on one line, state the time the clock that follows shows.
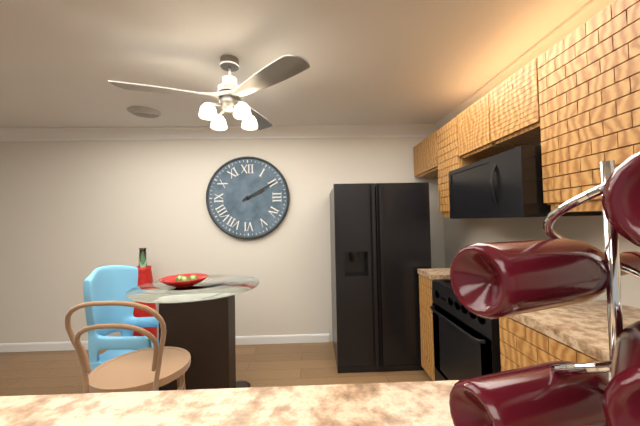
**2:10**
